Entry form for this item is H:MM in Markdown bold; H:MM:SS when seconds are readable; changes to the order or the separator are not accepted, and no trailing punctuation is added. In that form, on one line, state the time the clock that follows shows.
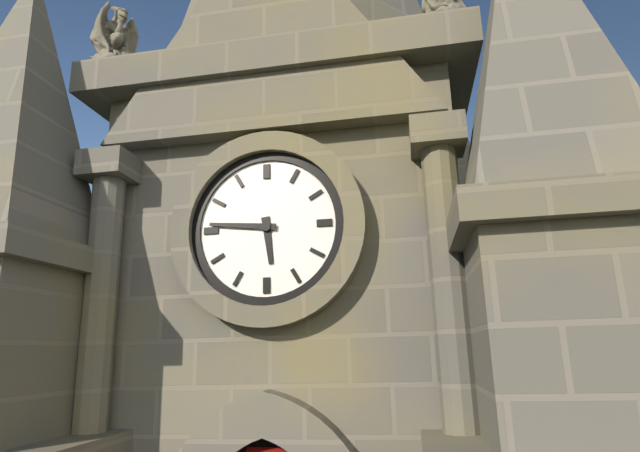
**5:46**
